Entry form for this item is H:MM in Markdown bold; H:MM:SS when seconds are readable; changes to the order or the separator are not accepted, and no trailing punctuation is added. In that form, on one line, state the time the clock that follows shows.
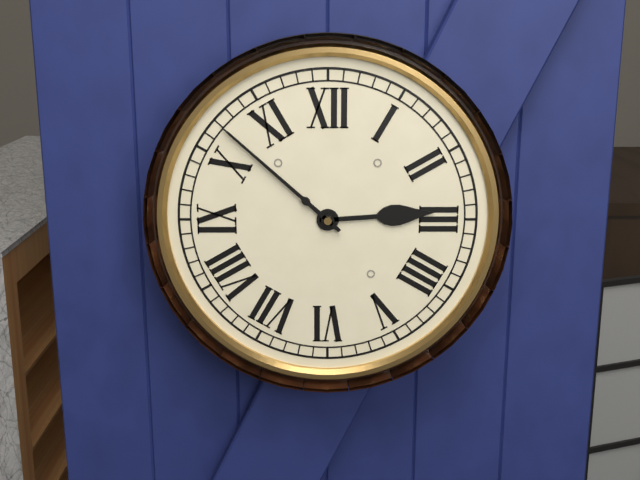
**2:52**
